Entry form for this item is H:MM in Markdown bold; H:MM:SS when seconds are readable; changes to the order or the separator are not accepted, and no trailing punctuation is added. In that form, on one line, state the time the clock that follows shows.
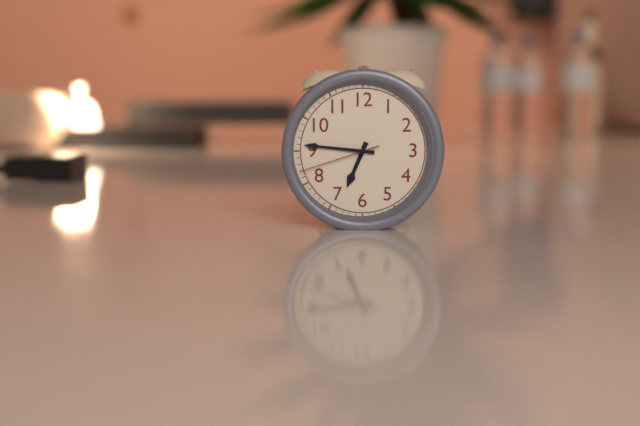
**6:46:42**
